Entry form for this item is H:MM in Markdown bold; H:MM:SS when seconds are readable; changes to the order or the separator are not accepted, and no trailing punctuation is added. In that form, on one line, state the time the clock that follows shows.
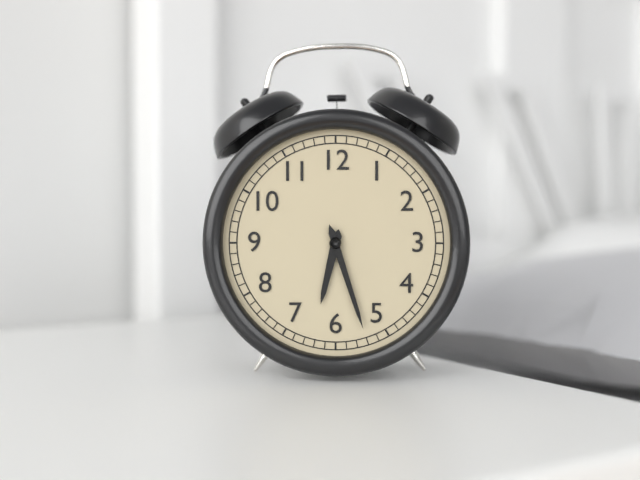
**6:27**
